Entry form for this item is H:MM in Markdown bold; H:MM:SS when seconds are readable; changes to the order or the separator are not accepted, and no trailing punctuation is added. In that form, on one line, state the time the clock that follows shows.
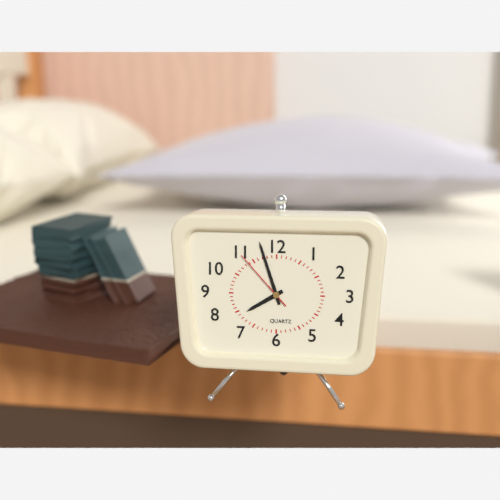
**7:57:53**
